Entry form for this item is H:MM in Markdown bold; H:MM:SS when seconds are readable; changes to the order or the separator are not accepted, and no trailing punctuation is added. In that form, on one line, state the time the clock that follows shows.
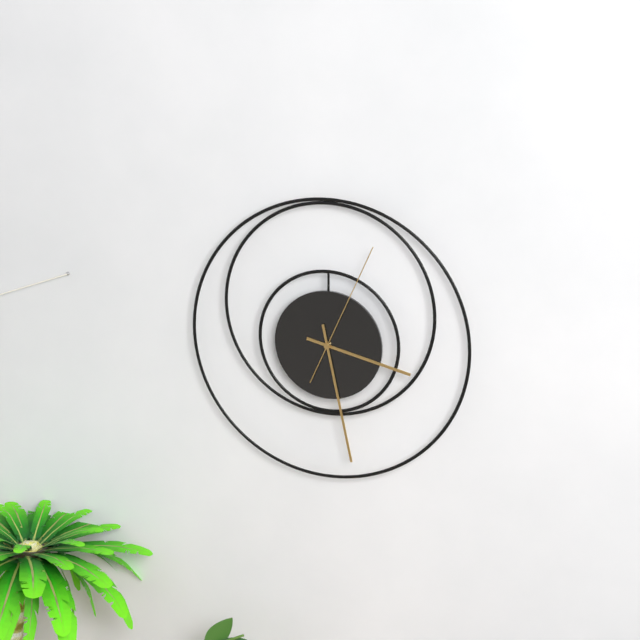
**3:28:04**
